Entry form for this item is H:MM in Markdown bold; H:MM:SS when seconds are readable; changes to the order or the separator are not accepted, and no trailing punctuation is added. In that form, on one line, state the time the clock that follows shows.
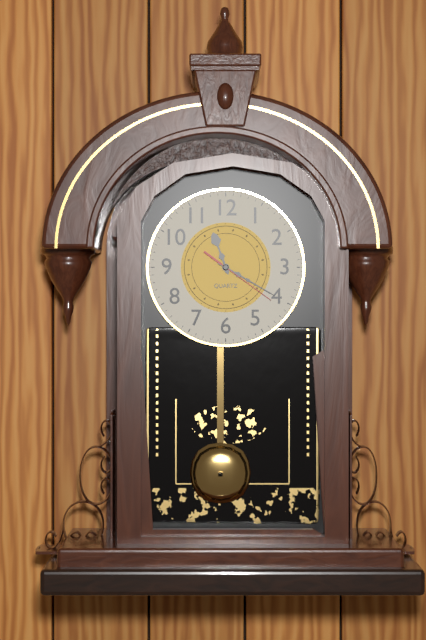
**11:20:21**
